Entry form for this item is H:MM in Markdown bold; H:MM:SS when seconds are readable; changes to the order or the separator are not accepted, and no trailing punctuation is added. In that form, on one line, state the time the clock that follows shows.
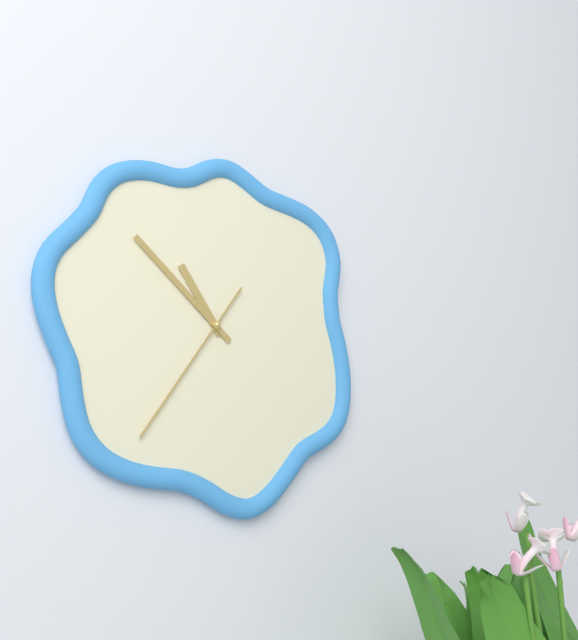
**10:52:36**
